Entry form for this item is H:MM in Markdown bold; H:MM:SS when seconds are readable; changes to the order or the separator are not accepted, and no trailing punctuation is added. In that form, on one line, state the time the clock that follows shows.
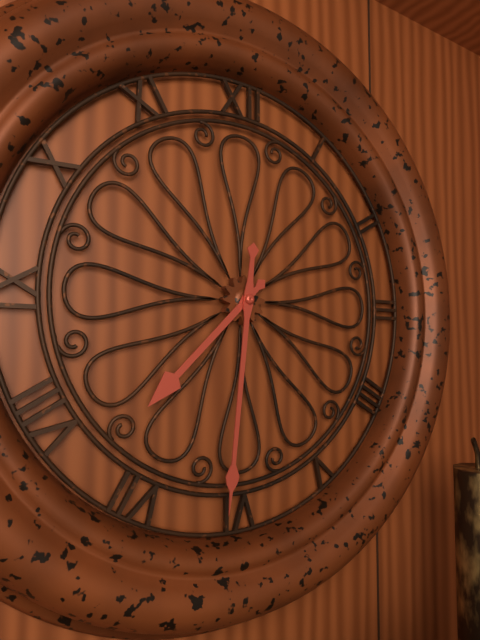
**7:31**
